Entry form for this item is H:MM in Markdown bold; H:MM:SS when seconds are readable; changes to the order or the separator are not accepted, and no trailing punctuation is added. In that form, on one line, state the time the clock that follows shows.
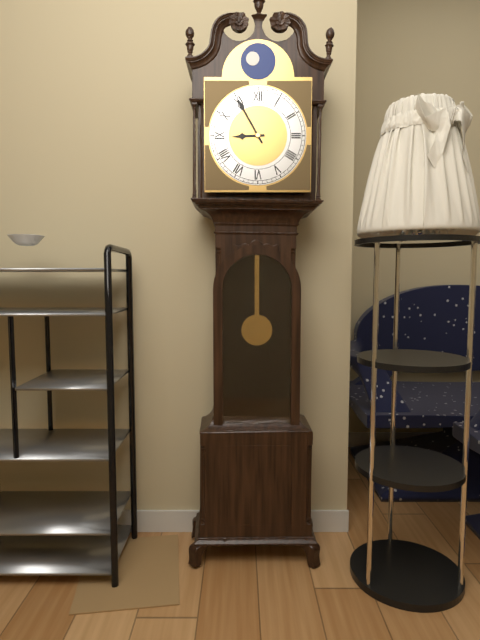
**8:55**
